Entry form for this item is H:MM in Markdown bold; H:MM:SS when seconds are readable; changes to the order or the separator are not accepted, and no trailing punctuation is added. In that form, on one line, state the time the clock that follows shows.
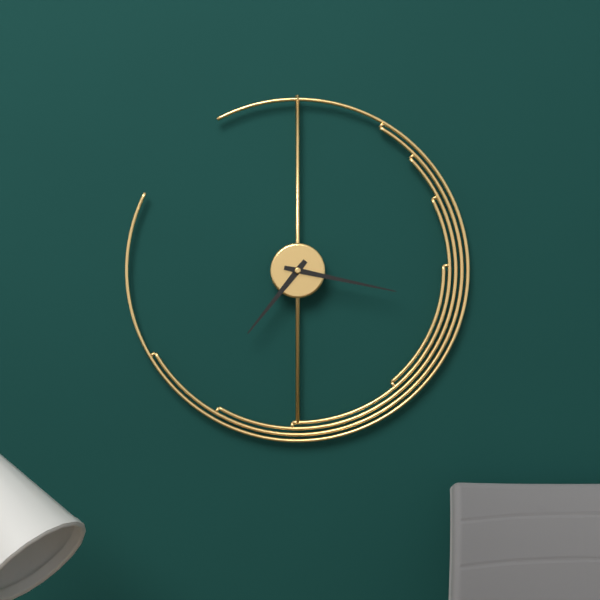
**7:17**
